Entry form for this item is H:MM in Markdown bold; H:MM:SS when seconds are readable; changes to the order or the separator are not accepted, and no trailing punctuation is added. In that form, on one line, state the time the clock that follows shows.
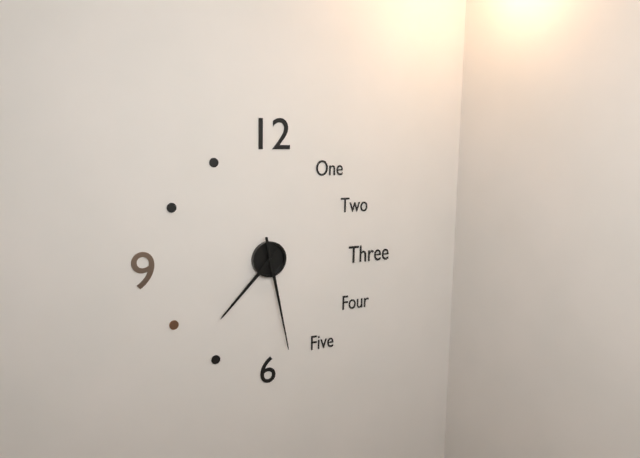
**7:28**
